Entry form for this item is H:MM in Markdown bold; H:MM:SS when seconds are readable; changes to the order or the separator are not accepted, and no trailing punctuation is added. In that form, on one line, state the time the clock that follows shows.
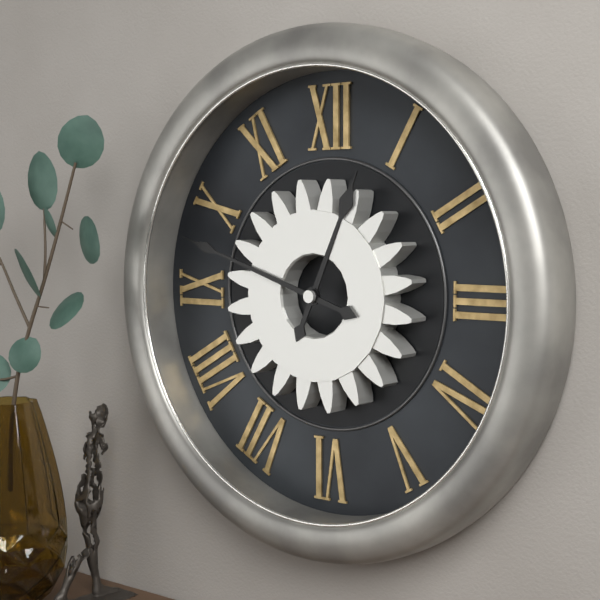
**12:48**
